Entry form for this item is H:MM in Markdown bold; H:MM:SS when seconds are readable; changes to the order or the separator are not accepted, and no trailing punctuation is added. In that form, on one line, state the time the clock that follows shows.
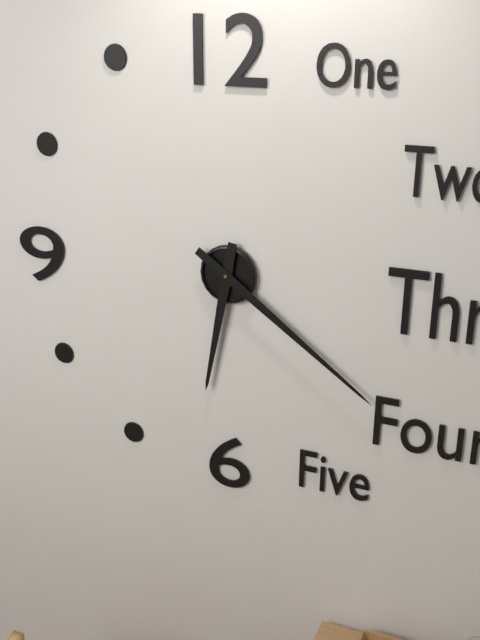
**6:21**
